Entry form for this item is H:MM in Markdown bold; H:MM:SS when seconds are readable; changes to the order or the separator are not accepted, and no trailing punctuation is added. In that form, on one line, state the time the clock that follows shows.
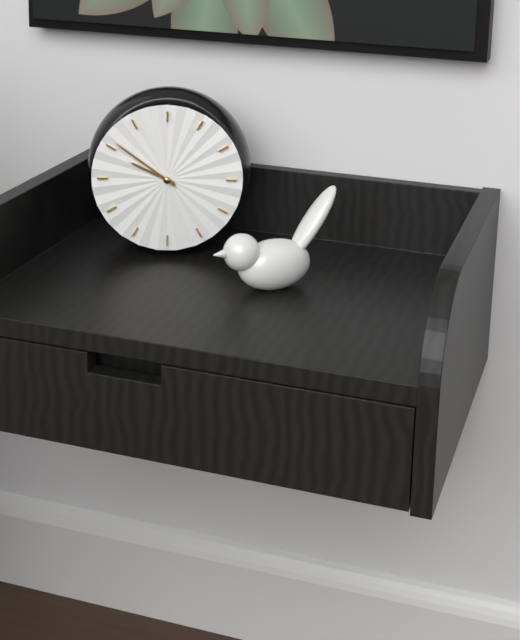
**9:51**
